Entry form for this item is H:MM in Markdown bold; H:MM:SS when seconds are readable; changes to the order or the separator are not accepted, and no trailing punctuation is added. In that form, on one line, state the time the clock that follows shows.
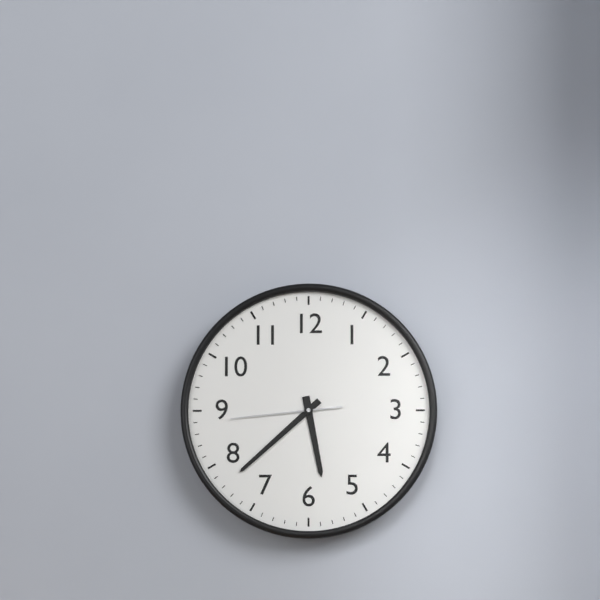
**5:38:44**
